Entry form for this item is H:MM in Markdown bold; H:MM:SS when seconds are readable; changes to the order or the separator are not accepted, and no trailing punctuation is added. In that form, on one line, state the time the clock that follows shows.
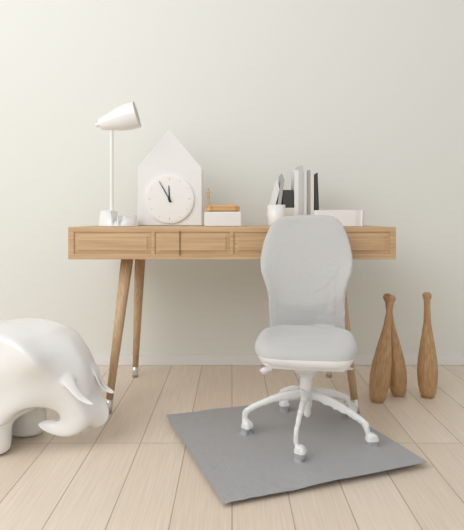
**11:55**
